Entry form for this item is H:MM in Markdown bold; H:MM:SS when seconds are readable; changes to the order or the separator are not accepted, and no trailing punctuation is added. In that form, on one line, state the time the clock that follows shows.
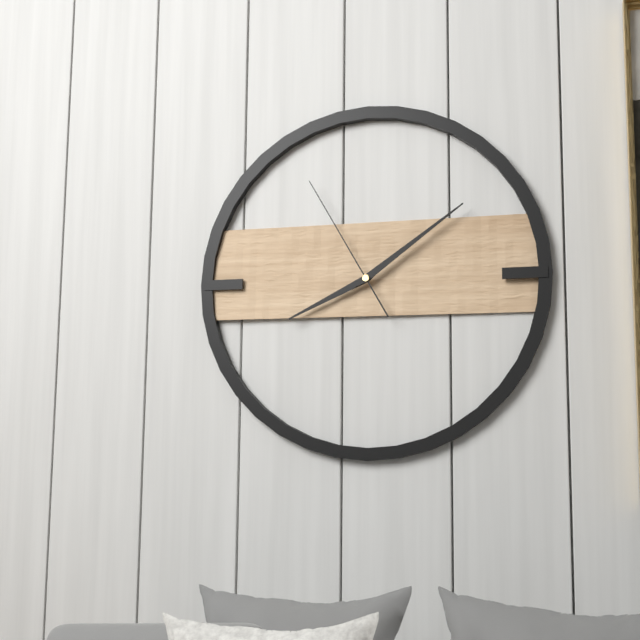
**8:09:55**
